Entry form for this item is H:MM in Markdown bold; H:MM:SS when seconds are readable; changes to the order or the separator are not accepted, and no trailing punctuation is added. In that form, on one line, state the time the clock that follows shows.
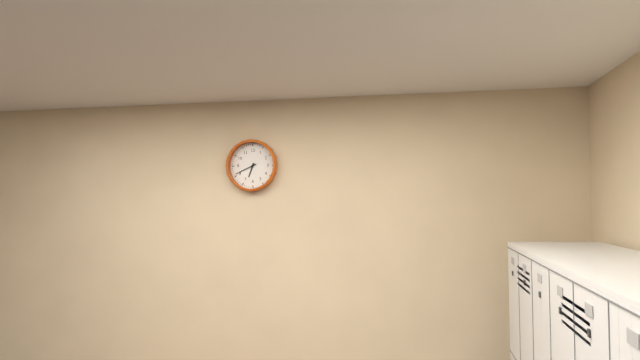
**6:41**
